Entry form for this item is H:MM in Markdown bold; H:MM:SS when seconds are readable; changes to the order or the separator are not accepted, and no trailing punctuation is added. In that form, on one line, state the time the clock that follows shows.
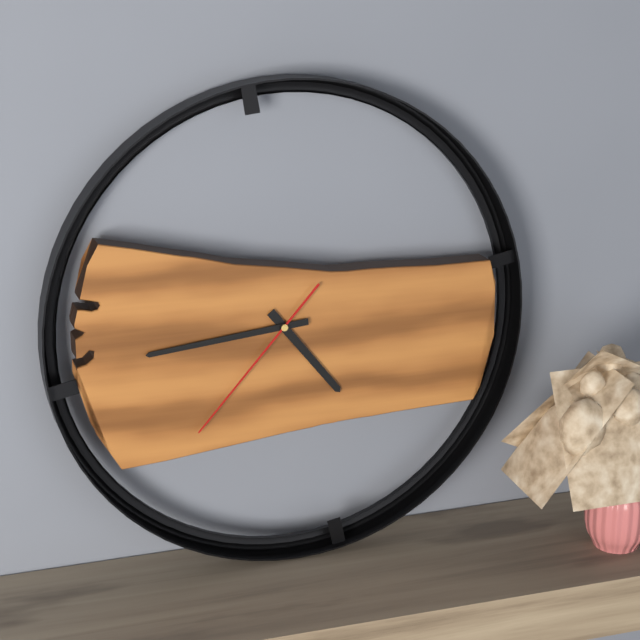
**4:44:37**
